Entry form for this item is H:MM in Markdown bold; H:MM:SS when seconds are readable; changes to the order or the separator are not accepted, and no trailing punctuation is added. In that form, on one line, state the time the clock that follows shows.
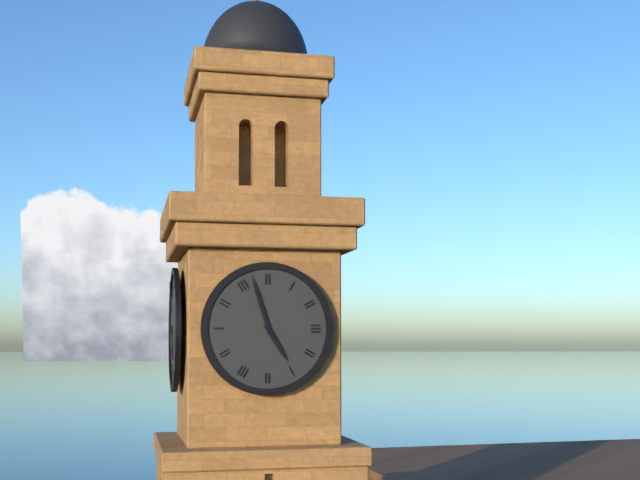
**4:57**
